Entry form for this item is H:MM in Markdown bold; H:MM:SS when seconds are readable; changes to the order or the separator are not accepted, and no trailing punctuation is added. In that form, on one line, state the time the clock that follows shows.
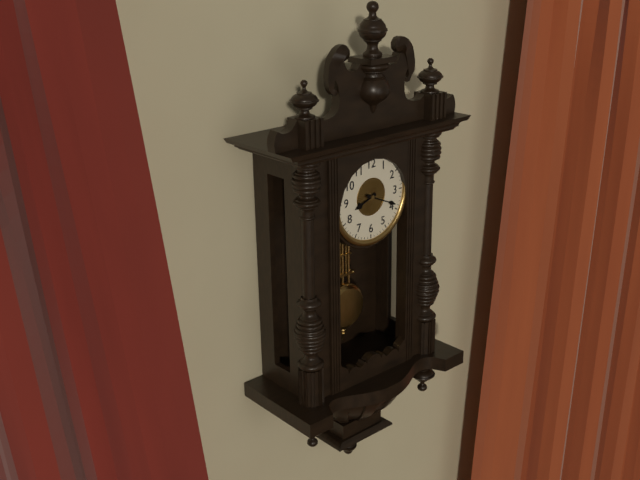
**8:19**
